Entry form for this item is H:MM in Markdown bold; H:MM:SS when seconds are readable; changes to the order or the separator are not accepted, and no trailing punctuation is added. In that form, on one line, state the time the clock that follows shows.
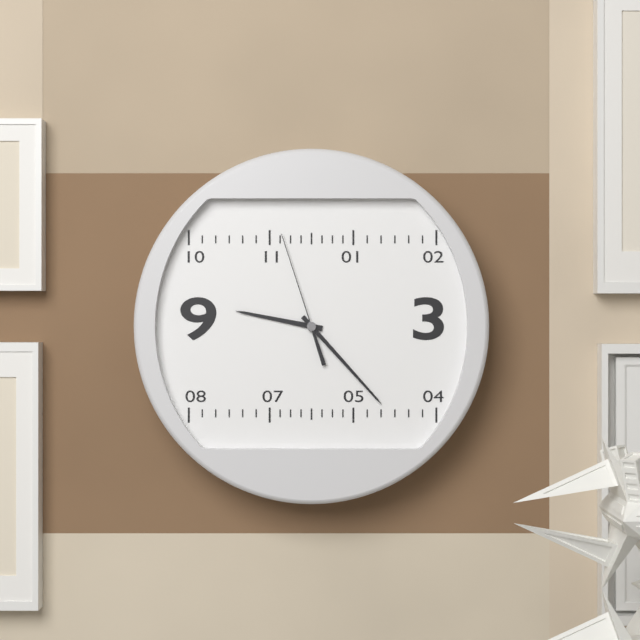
**9:23:57**
